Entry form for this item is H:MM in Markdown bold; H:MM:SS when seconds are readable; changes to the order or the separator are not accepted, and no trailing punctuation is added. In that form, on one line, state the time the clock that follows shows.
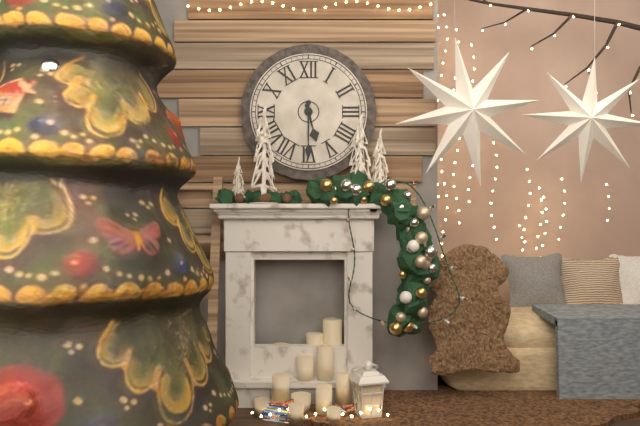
**5:30**
